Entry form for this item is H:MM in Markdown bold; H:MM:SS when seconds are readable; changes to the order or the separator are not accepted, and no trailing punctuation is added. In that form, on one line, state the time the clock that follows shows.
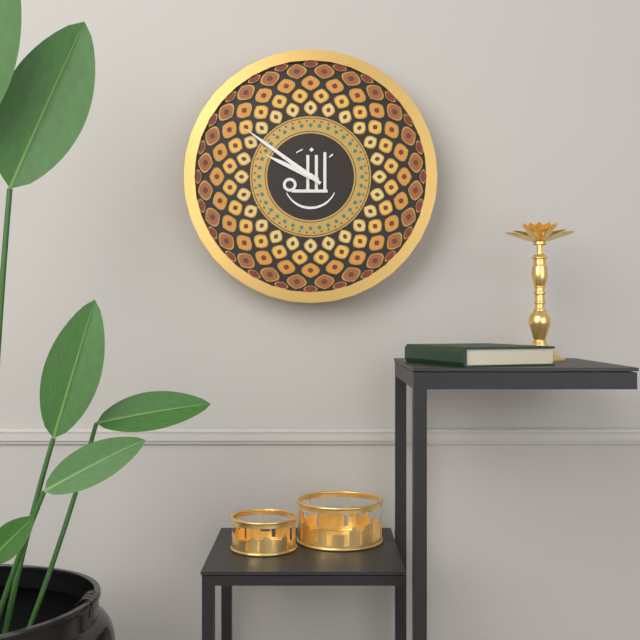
**9:51**
